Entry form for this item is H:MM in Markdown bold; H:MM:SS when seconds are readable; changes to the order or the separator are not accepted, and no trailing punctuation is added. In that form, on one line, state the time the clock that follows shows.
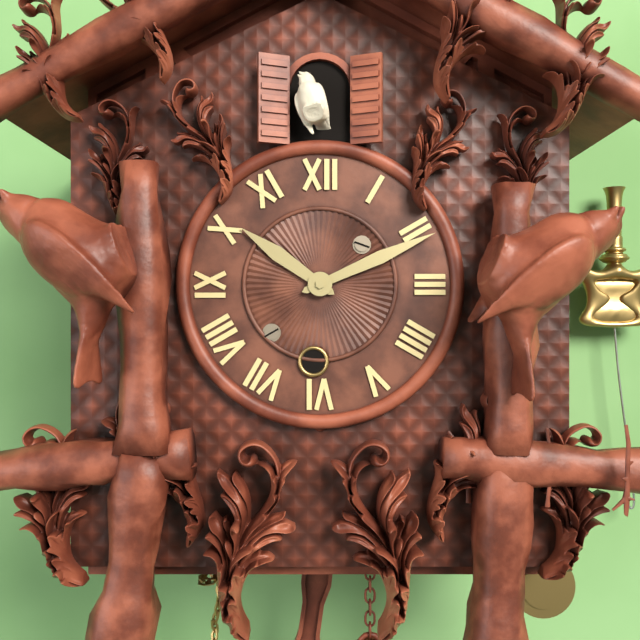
**10:11**
